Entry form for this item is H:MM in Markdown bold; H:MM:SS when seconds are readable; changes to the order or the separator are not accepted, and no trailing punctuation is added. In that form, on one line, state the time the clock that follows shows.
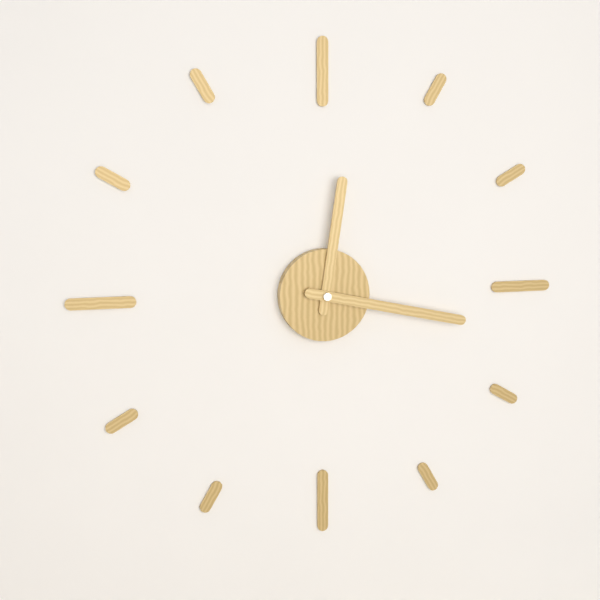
**12:17**
